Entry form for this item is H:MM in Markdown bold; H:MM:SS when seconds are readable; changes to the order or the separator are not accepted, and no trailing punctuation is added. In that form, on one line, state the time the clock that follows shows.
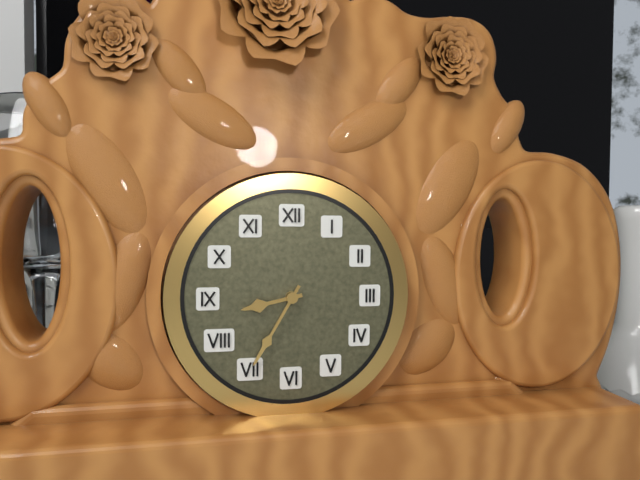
**8:35**
